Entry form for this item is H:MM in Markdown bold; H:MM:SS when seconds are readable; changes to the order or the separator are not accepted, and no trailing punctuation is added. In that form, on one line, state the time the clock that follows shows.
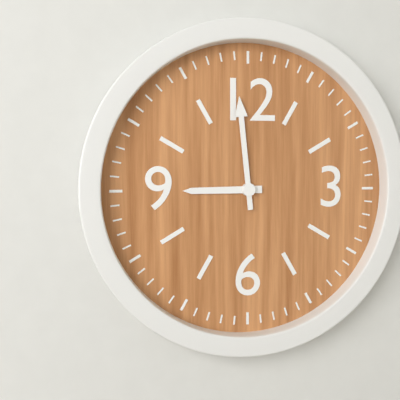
**8:59**
